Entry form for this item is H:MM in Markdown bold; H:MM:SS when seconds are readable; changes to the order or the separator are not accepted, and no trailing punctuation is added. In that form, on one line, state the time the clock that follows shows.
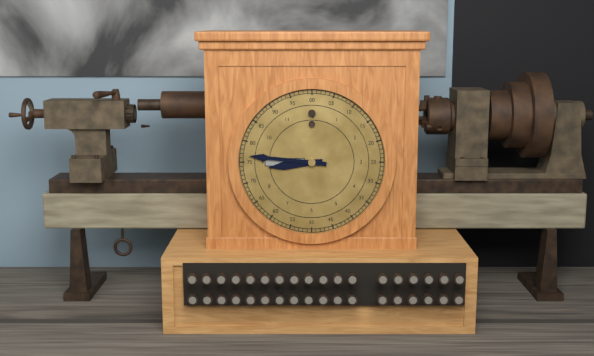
**8:46**
